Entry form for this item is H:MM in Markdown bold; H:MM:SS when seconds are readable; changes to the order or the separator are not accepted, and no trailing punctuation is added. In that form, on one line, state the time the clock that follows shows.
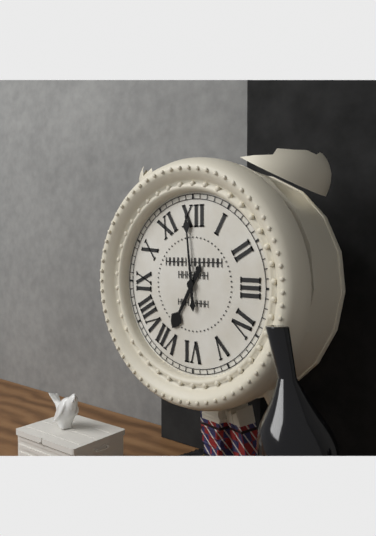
**6:59**
